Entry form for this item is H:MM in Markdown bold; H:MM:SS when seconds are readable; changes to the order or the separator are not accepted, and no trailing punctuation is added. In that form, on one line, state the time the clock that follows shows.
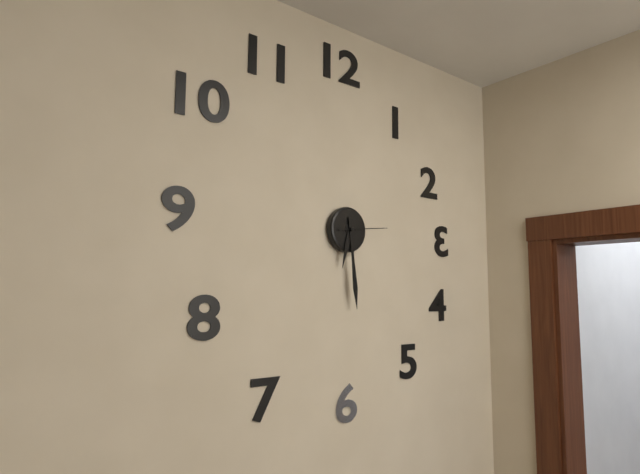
**6:29:14**
